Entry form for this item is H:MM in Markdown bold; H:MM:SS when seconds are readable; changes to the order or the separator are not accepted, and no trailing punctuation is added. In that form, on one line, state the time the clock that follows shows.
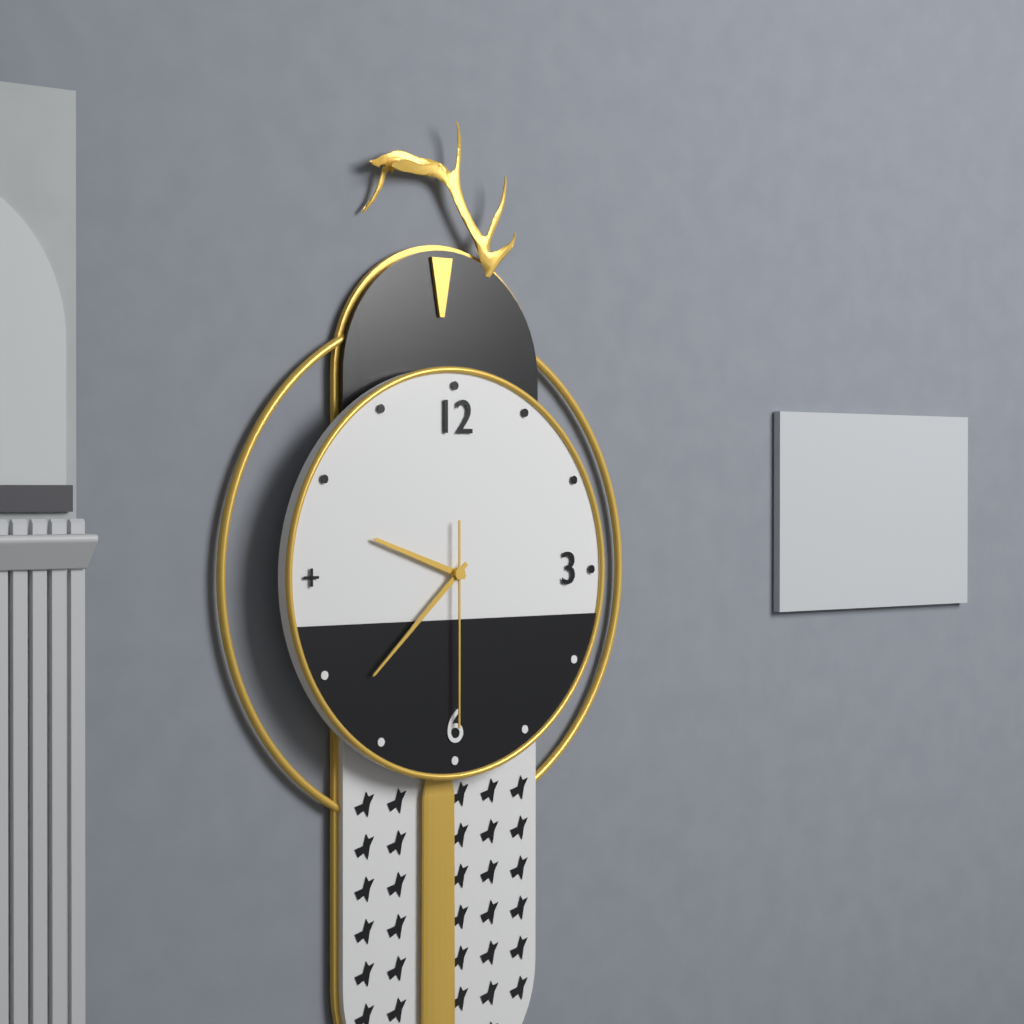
**9:38:30**
